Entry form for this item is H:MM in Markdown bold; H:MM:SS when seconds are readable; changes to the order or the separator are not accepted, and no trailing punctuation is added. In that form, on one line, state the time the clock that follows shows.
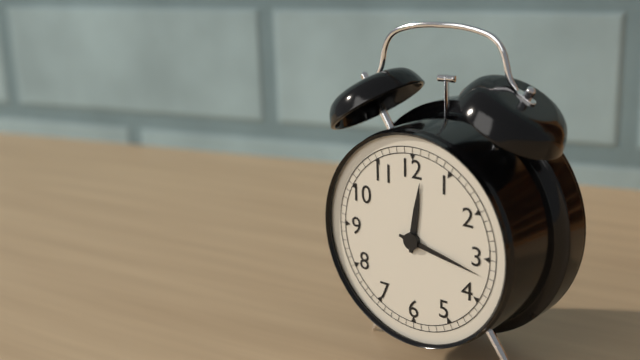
**12:17**
